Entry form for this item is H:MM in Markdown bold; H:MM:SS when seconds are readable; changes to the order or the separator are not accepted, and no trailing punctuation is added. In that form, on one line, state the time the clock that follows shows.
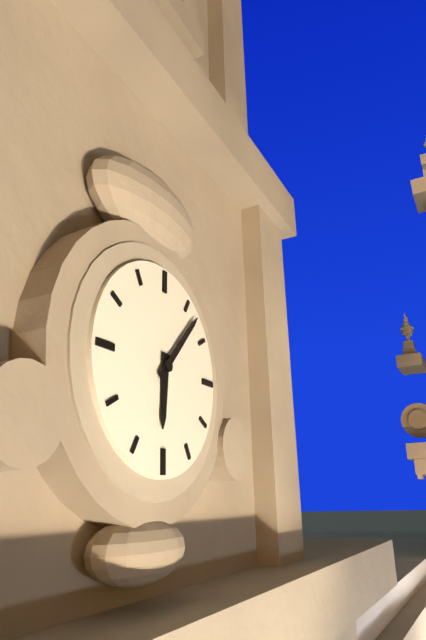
**6:07**
